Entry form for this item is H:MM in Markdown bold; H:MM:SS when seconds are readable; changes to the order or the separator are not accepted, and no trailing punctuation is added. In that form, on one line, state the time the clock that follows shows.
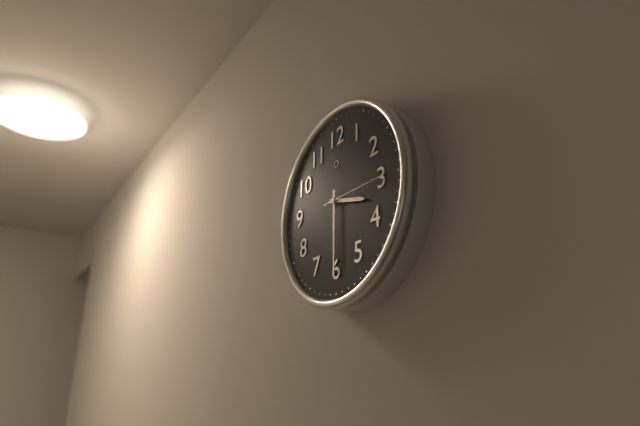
**3:30:15**
